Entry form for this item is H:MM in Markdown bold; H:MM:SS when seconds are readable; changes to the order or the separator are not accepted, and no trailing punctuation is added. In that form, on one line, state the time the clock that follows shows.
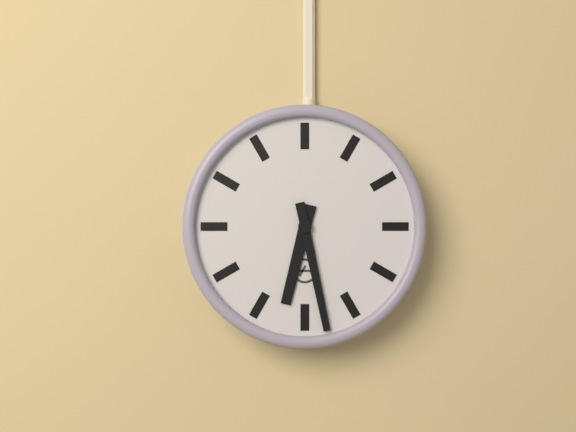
**6:28**
